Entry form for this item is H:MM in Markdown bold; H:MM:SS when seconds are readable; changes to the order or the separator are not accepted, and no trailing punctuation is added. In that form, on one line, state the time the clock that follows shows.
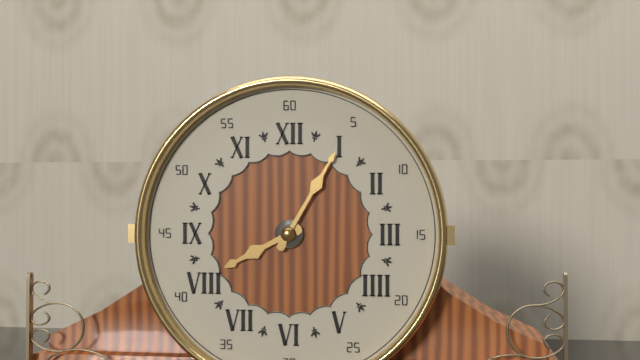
**8:05**
